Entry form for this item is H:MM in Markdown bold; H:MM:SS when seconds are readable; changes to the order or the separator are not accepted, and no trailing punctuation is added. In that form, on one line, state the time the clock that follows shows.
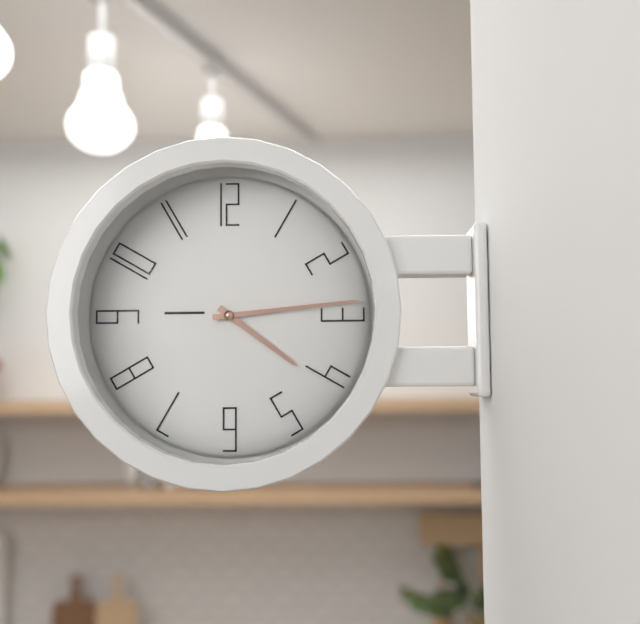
**4:14**
